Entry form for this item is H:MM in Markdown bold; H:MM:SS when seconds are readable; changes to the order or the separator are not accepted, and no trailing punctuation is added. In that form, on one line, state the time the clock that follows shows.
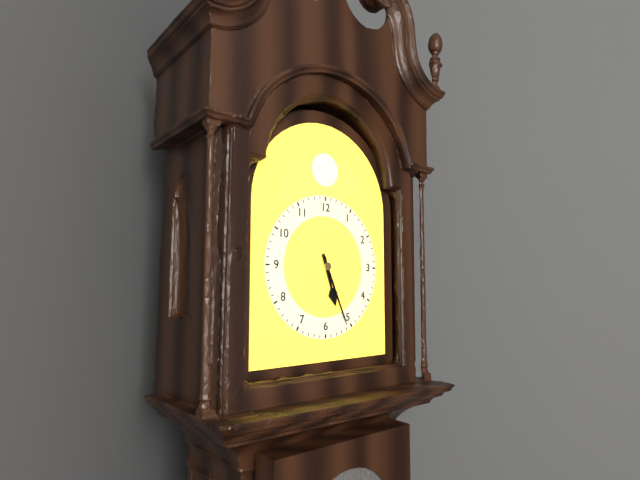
**5:26**
